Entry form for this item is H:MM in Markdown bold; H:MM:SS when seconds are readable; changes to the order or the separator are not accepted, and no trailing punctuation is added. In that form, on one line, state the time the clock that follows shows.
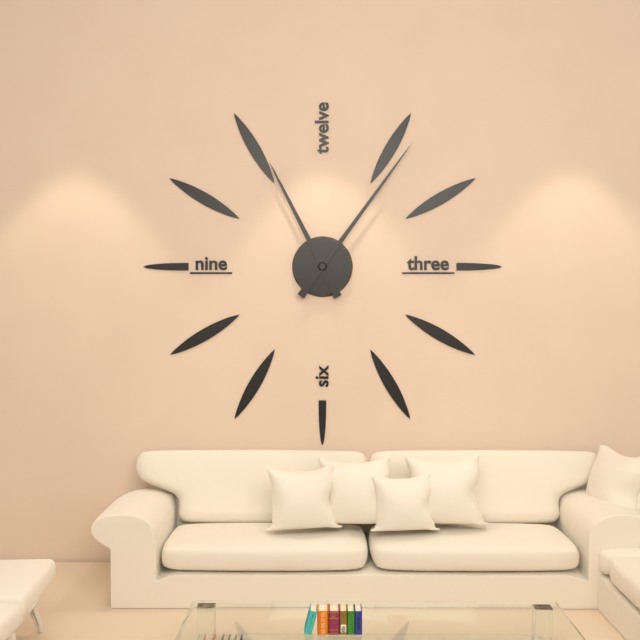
**11:06**
